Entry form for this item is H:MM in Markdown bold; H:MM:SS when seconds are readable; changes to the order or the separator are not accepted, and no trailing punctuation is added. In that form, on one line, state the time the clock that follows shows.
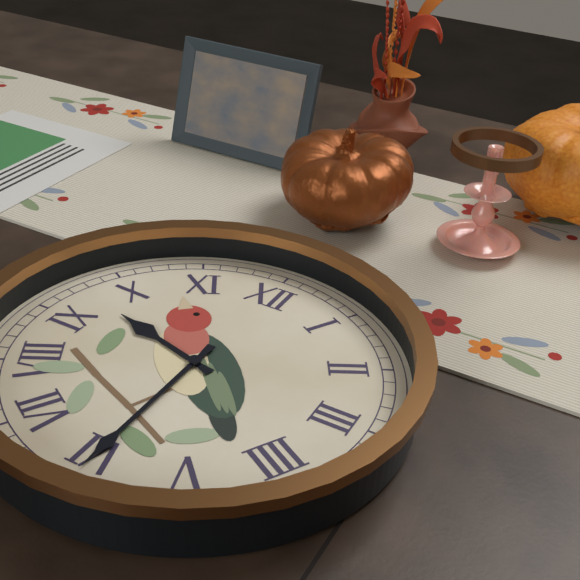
**9:30**
